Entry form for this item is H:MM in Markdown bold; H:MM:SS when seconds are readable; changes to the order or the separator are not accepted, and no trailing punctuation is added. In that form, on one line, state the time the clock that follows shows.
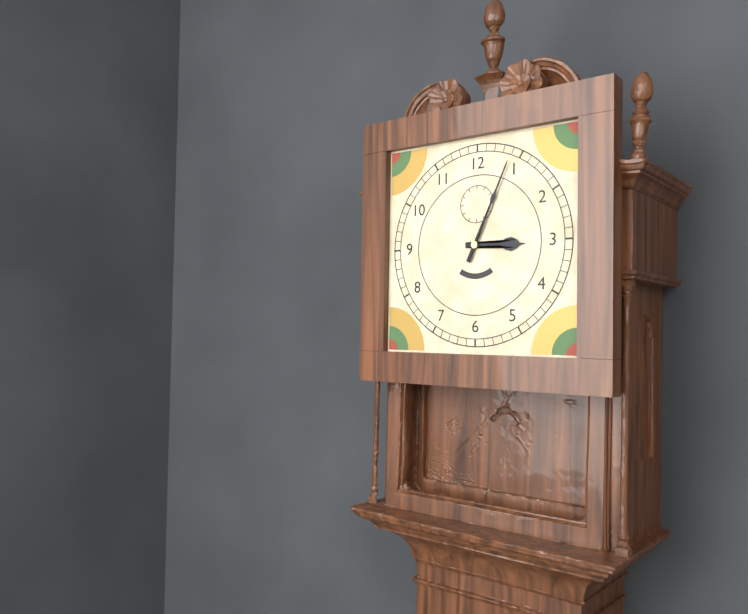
**3:04**
